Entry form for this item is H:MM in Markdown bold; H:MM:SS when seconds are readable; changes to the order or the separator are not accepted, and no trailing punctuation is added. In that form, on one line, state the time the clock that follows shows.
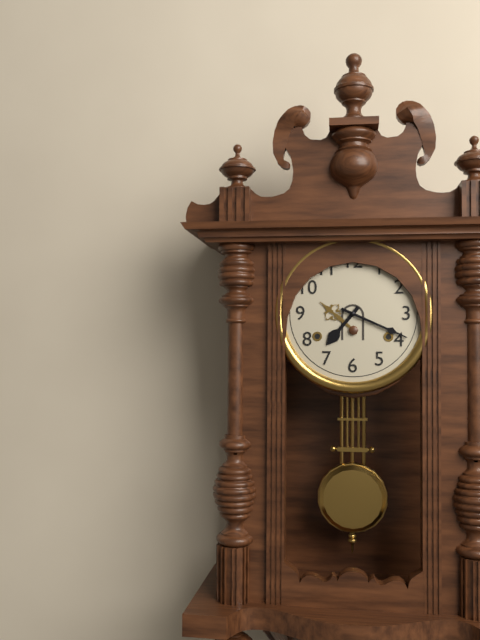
**7:19**
